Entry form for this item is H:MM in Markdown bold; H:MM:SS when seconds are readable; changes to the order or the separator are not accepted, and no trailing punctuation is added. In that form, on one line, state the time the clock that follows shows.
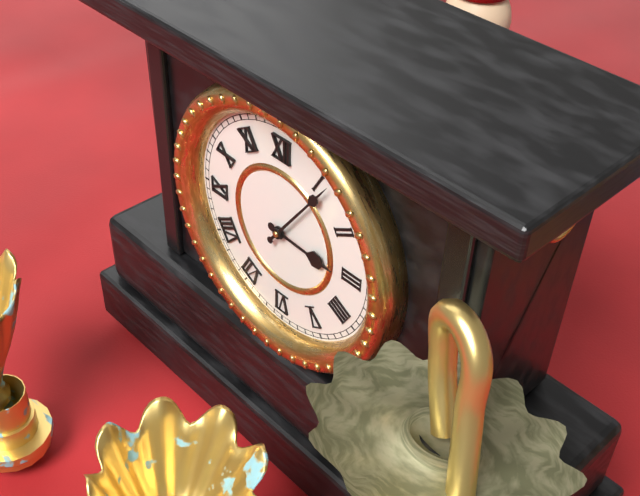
**3:06**
